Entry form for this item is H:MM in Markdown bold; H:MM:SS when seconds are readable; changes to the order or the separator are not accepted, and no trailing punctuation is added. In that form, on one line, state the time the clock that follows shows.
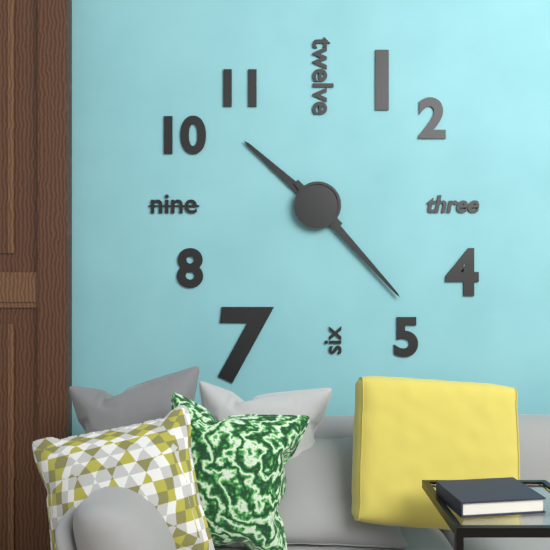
**10:23**
